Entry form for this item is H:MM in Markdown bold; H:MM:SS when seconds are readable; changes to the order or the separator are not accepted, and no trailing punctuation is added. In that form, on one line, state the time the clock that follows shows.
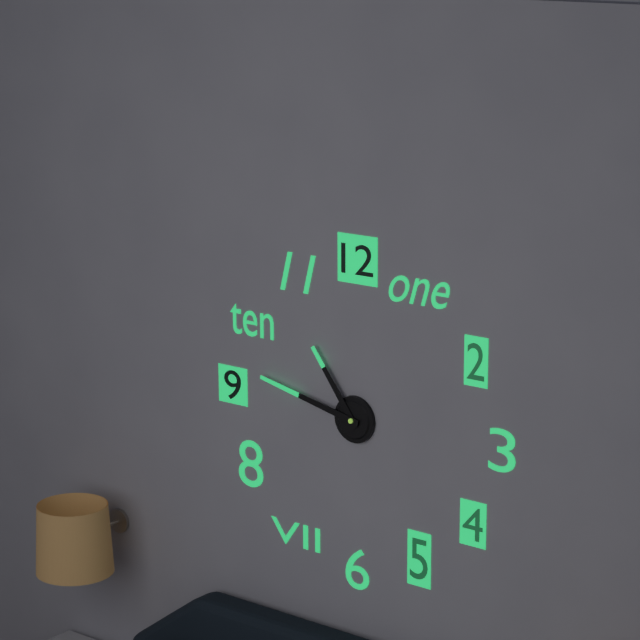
**10:47**
